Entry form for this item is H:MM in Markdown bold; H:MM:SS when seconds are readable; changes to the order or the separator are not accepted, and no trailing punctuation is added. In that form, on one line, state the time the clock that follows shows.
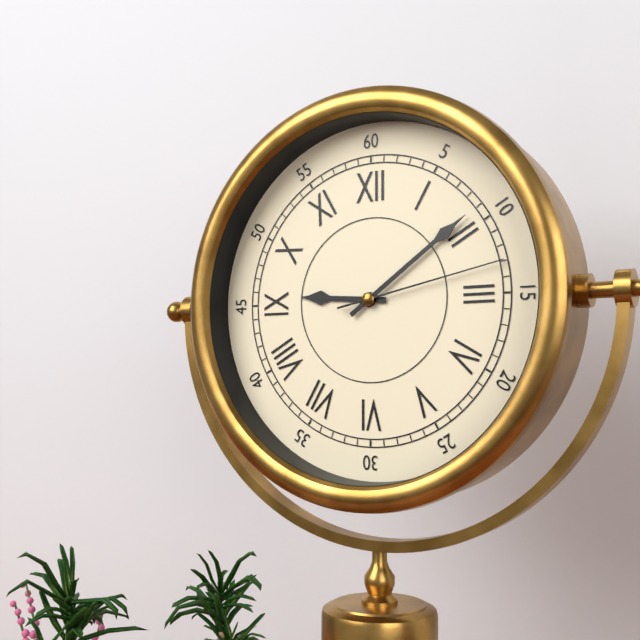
**9:09:13**
